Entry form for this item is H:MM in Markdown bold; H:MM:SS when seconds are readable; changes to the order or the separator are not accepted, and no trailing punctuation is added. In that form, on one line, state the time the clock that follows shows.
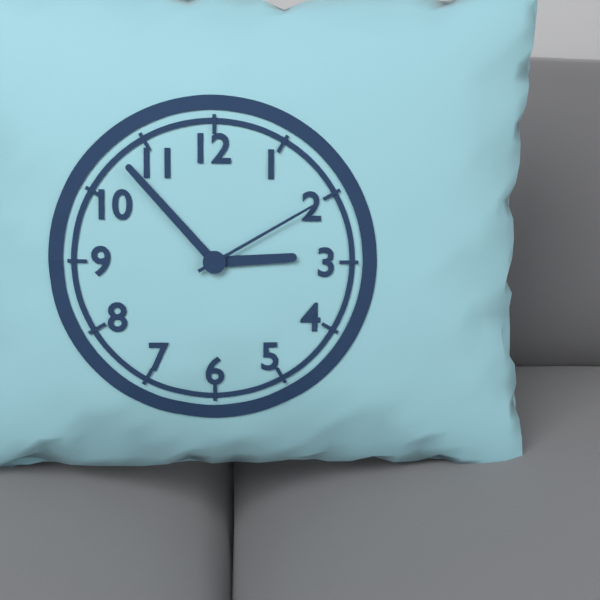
**2:53:10**
